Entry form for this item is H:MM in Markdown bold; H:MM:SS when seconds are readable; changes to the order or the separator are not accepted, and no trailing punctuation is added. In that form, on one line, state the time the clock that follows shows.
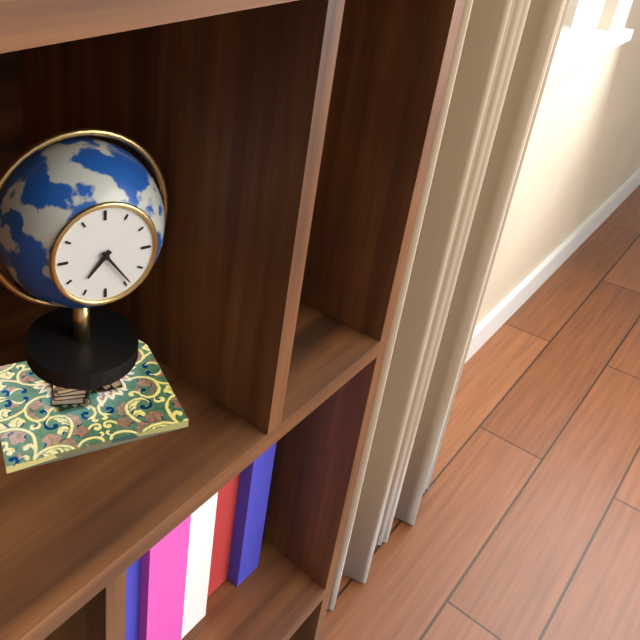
**7:24**
